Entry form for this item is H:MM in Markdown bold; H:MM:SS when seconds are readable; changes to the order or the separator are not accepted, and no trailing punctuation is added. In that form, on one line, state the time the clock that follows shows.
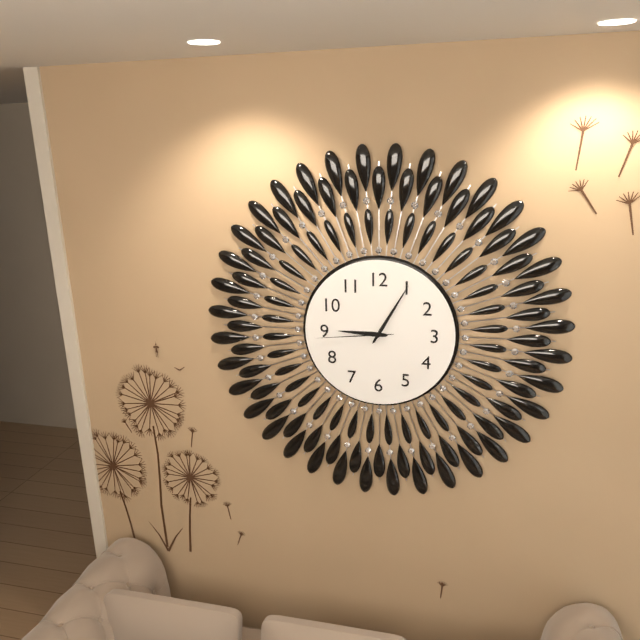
**9:05:44**
